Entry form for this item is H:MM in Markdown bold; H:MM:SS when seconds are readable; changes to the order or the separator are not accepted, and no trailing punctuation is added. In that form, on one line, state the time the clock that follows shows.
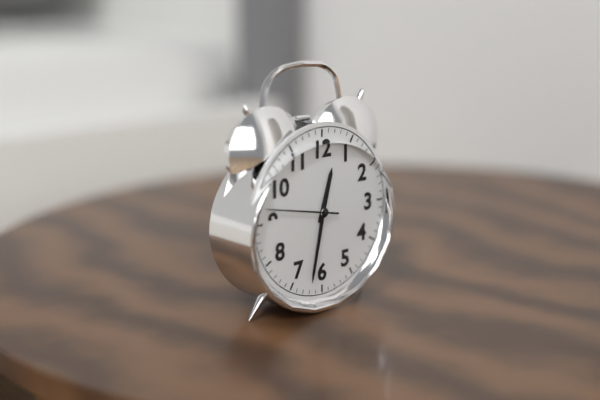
**12:32:47**
